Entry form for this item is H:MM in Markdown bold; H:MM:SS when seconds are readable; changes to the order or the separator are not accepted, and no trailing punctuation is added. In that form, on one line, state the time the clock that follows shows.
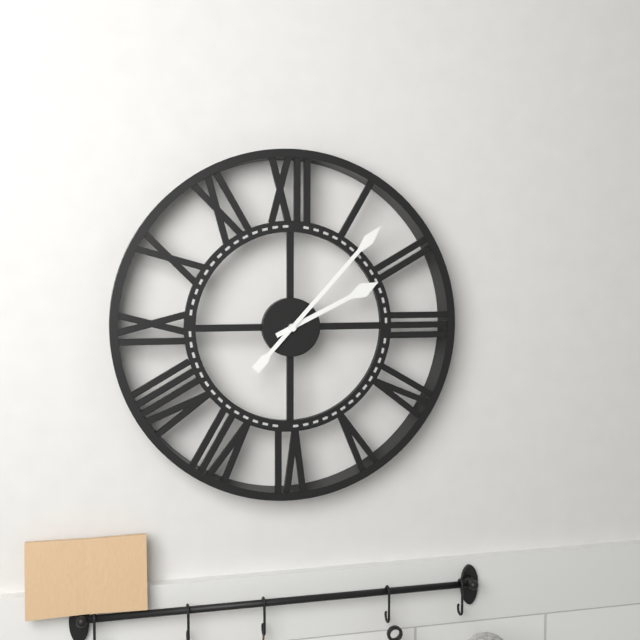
**2:07**
